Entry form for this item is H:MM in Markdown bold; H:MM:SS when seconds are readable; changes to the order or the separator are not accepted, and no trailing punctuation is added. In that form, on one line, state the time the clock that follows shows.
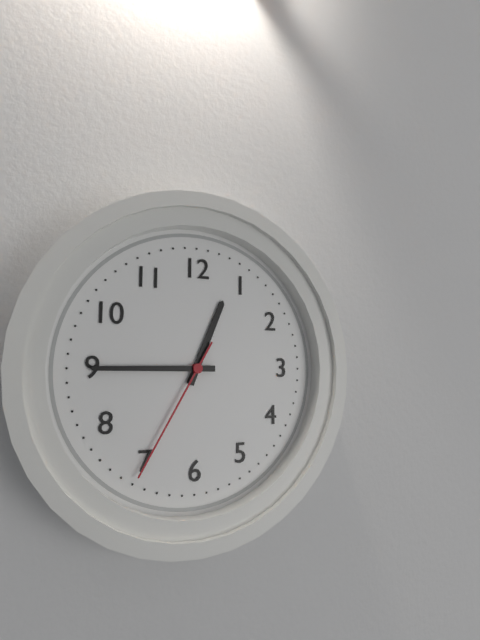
**12:45:35**
